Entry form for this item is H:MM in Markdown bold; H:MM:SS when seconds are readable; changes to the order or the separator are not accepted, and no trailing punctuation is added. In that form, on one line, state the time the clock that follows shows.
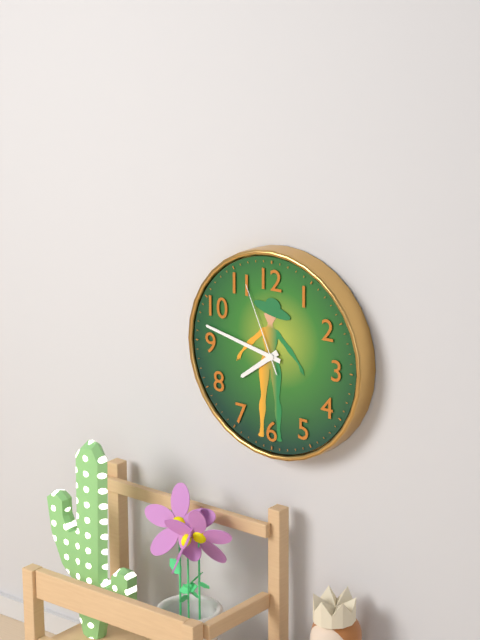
**7:47:56**
